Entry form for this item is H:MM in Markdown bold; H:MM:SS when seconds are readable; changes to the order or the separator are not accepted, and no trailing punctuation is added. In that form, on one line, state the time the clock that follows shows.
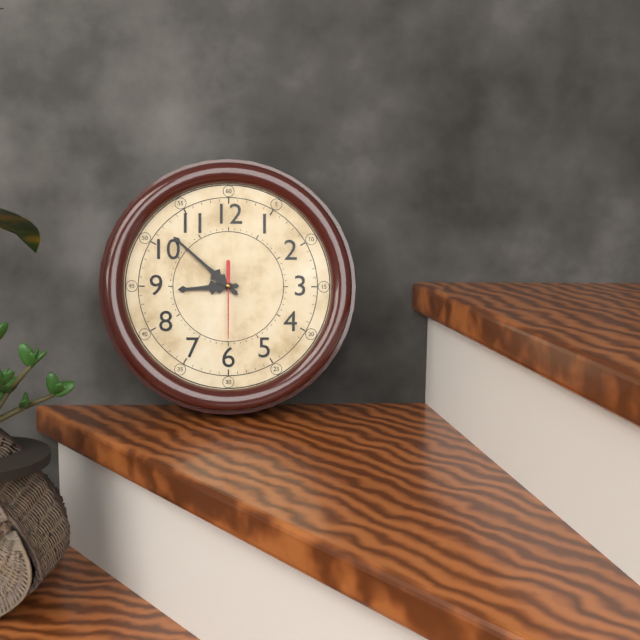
**8:52:30**
